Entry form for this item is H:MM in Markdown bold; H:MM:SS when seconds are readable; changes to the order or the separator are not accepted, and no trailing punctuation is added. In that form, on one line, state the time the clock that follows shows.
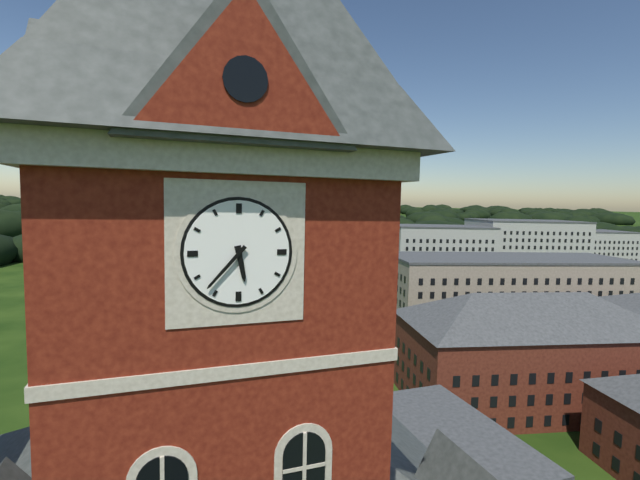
**5:37**
